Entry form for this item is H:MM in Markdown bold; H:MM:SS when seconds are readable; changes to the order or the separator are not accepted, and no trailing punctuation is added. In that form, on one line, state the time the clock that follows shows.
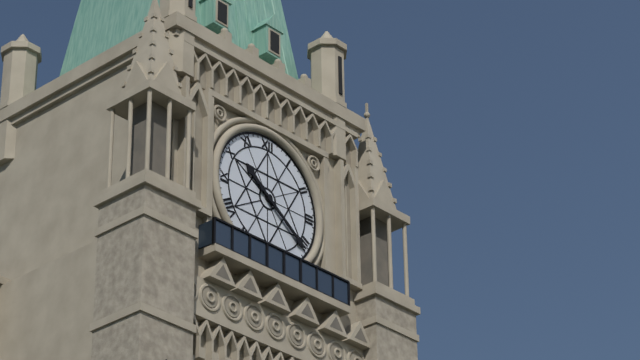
**10:21**
